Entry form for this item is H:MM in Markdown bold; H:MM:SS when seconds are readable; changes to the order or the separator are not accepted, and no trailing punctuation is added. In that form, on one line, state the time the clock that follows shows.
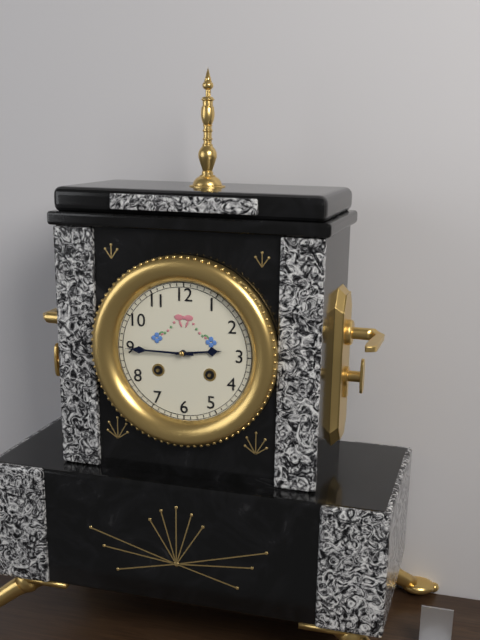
**2:45**
